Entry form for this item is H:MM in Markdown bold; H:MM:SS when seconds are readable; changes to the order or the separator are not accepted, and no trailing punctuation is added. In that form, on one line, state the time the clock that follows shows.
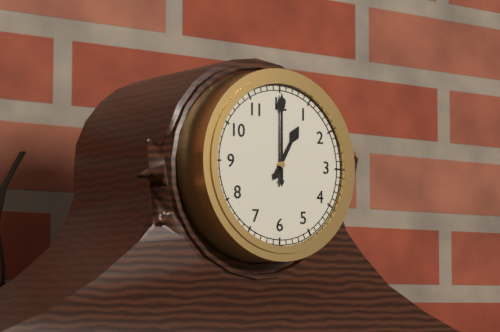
**1:00**
